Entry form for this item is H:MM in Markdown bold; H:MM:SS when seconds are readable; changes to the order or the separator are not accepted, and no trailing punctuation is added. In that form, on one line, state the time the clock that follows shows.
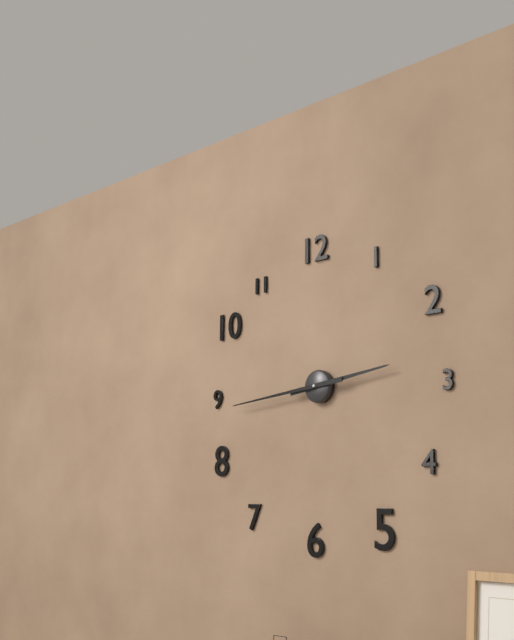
**2:44**
